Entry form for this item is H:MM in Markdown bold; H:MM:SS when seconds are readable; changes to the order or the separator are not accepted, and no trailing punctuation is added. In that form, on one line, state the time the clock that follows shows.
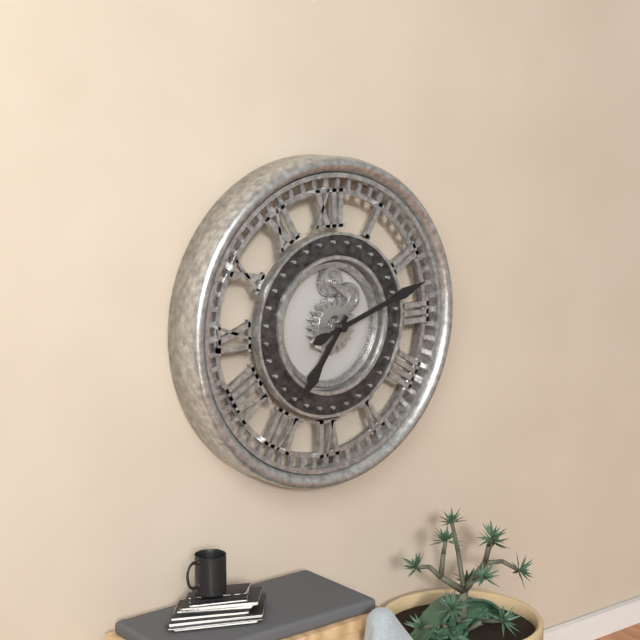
**7:12**
